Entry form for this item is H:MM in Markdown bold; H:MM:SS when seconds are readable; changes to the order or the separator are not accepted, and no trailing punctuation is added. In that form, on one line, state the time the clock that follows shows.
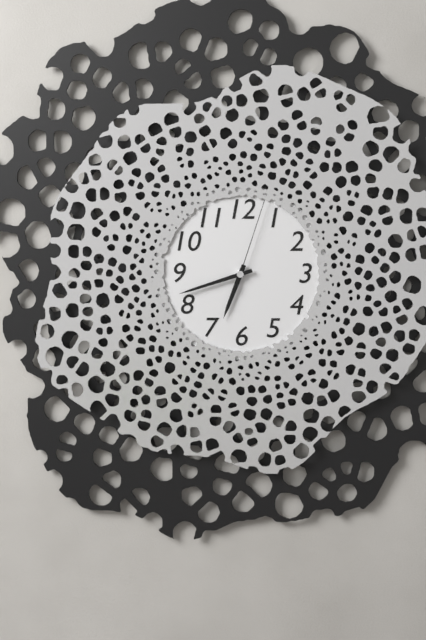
**6:42:03**
